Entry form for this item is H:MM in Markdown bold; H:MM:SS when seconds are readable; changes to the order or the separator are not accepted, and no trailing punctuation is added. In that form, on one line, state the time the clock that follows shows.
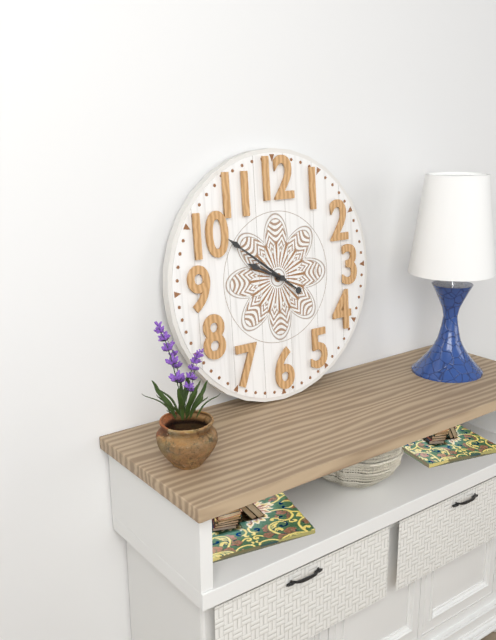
**9:51**
